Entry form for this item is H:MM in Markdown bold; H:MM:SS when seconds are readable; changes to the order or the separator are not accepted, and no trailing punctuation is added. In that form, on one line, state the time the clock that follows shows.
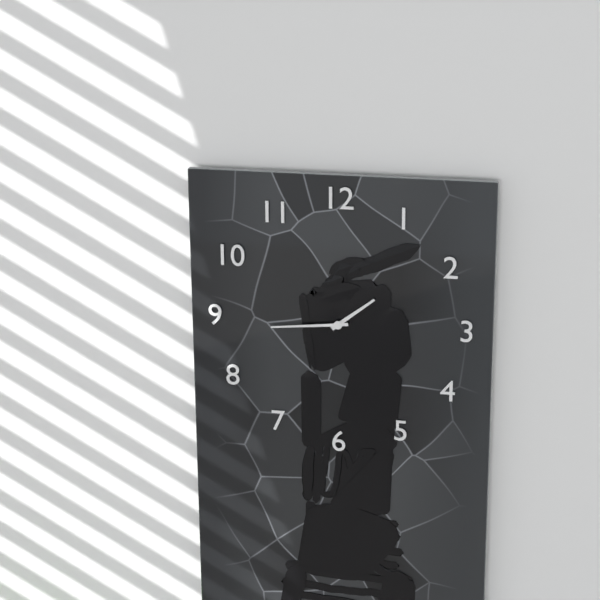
**1:44**
